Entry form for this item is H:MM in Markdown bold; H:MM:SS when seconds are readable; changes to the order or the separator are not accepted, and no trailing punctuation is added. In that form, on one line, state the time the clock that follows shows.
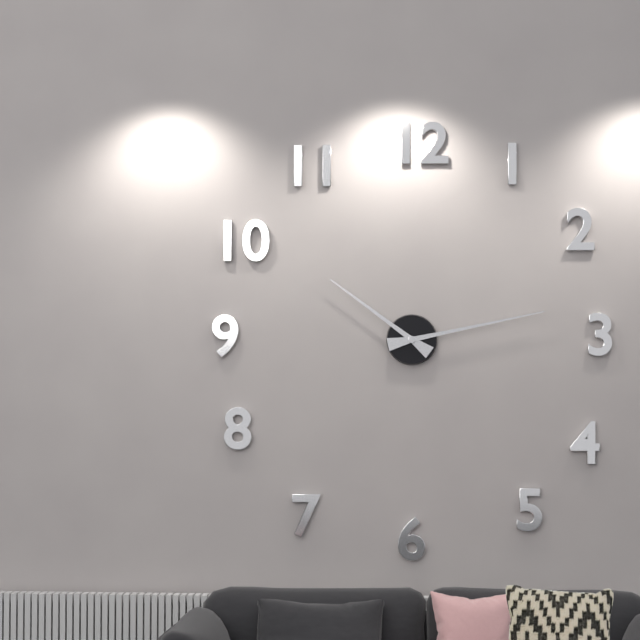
**10:13**
